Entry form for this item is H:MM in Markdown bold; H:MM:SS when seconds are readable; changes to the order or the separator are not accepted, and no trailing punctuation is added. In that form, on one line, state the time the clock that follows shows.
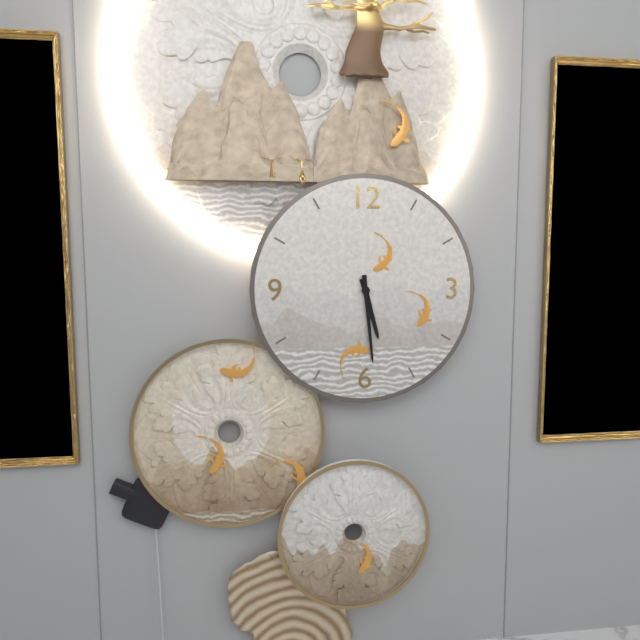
**5:29**
